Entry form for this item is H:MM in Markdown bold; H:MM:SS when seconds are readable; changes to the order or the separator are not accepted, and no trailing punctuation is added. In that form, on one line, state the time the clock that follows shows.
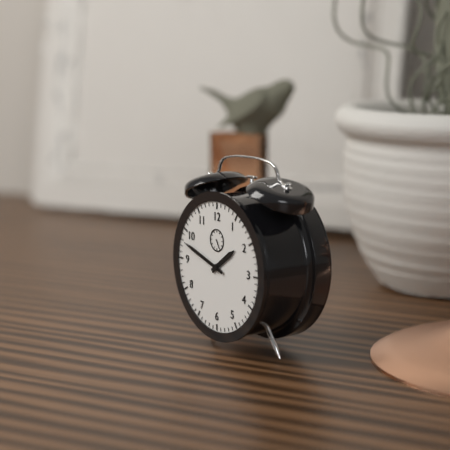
**1:48**
